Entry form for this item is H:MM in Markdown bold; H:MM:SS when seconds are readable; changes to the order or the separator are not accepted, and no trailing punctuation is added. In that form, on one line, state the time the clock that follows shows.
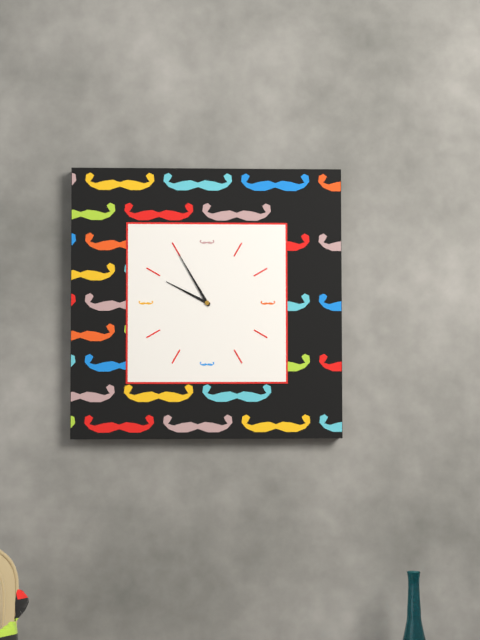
**9:55**
